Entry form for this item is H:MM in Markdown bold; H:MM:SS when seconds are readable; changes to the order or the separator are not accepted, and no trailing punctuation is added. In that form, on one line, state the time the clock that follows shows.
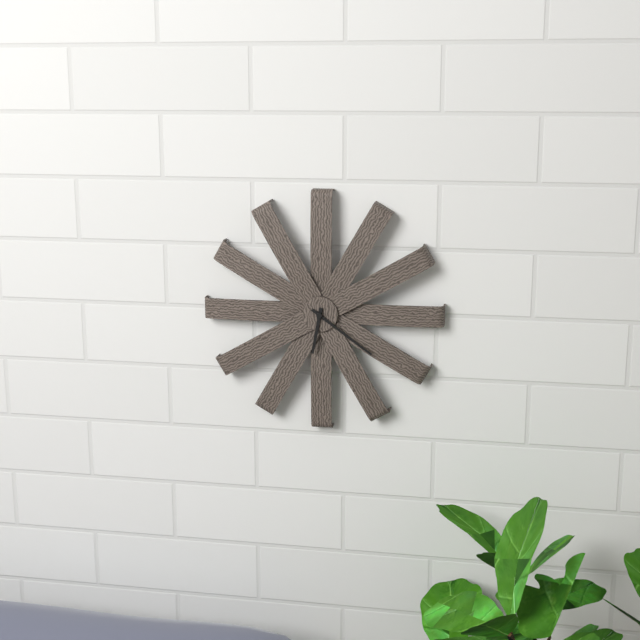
**6:21**
